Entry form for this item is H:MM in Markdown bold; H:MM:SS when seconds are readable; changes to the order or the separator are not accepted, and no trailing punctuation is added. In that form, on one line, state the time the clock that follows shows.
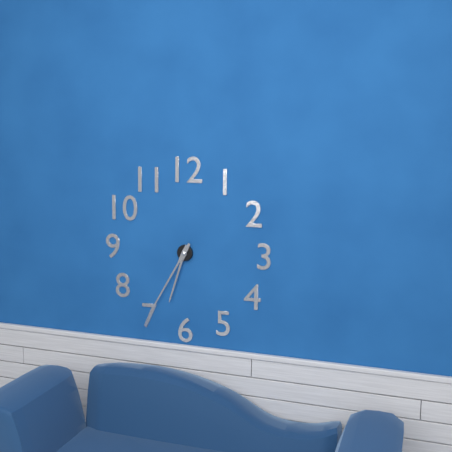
**6:35**
